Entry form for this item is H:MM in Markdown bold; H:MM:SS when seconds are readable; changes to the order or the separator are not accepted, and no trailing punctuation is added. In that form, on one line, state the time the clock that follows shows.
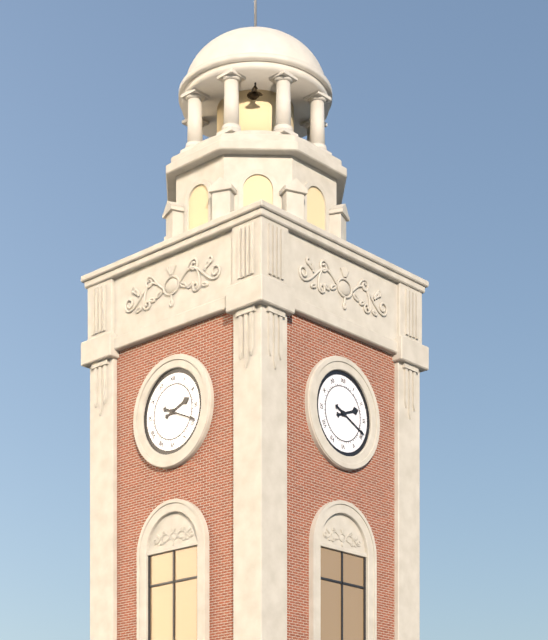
**2:19**
